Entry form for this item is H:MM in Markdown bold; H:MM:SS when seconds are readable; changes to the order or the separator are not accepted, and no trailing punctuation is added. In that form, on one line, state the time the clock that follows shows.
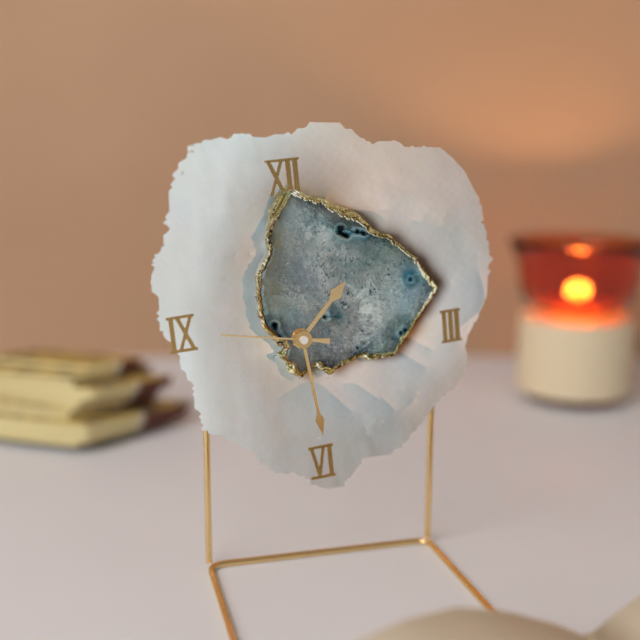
**1:29:47**
